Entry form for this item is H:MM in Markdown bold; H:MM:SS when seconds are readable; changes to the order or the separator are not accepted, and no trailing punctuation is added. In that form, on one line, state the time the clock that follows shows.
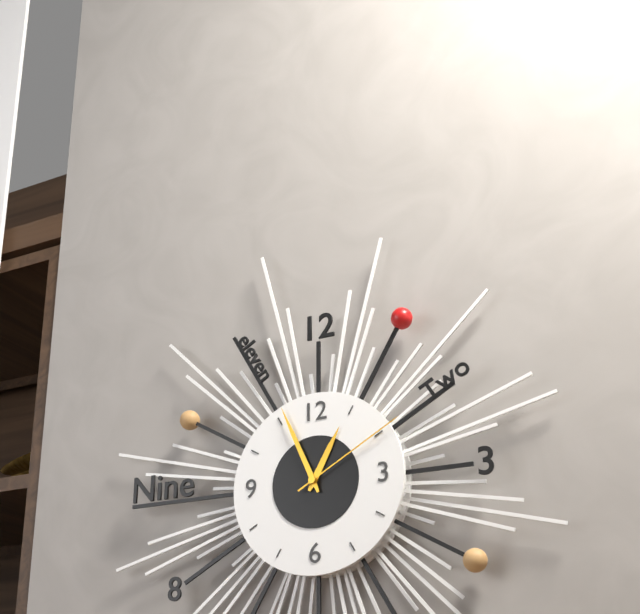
**12:56:10**
